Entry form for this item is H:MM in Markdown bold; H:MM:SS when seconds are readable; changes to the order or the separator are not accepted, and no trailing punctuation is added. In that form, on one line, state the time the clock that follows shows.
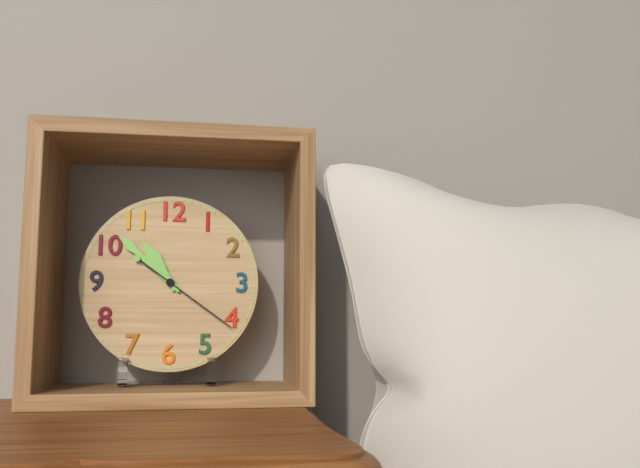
**10:52:21**
